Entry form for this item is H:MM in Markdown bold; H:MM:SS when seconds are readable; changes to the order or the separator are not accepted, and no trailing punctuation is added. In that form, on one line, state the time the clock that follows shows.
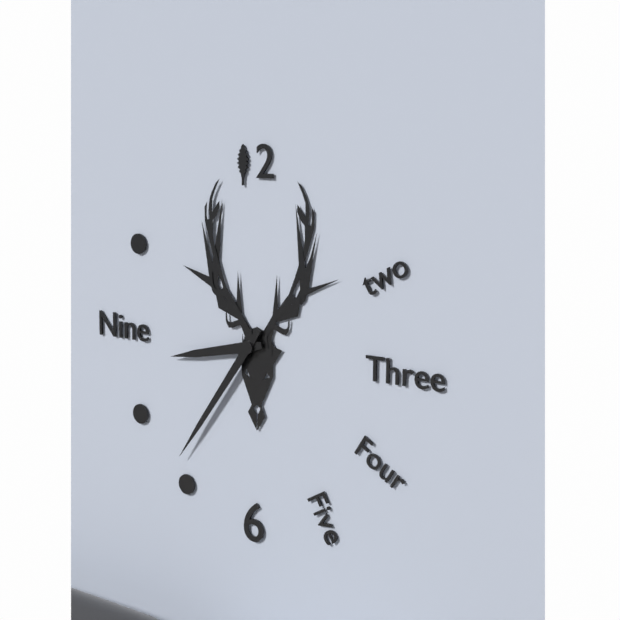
**8:36**
